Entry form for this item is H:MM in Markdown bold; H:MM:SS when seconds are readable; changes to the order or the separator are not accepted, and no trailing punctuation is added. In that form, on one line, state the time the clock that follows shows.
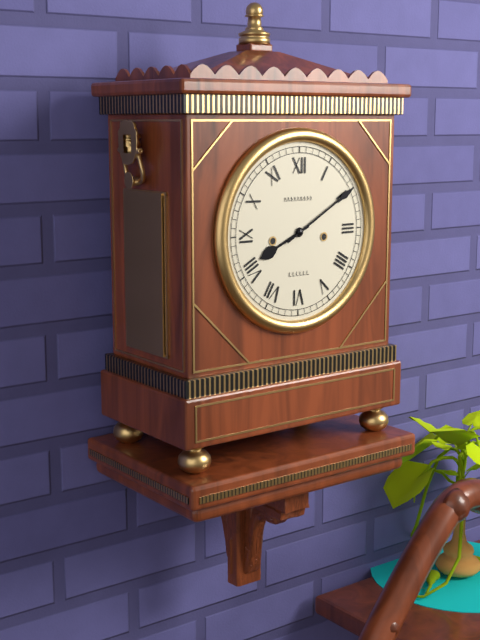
**8:10**
